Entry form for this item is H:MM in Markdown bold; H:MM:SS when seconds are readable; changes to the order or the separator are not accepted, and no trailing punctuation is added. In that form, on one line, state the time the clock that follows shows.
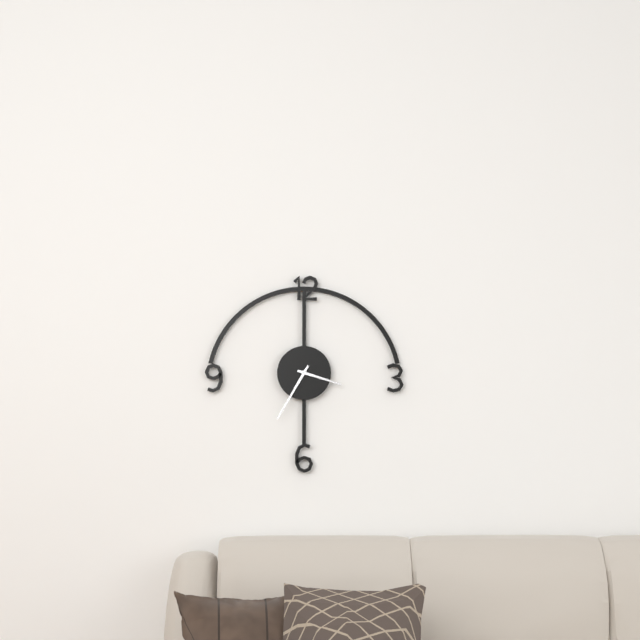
**3:35**
